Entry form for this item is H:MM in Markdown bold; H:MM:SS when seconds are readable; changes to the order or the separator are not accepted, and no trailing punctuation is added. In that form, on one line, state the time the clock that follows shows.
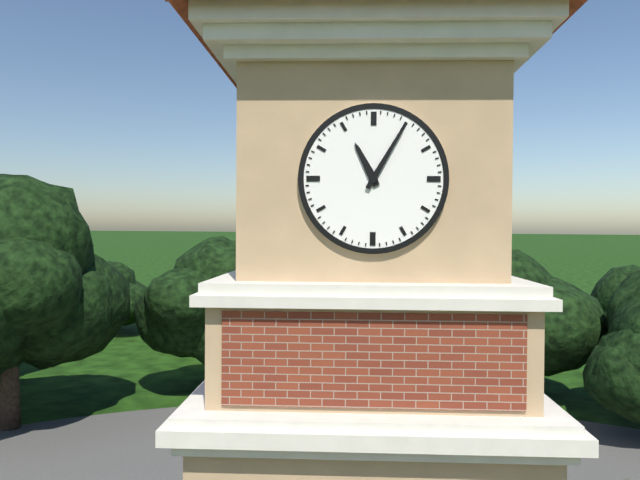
**11:05**
